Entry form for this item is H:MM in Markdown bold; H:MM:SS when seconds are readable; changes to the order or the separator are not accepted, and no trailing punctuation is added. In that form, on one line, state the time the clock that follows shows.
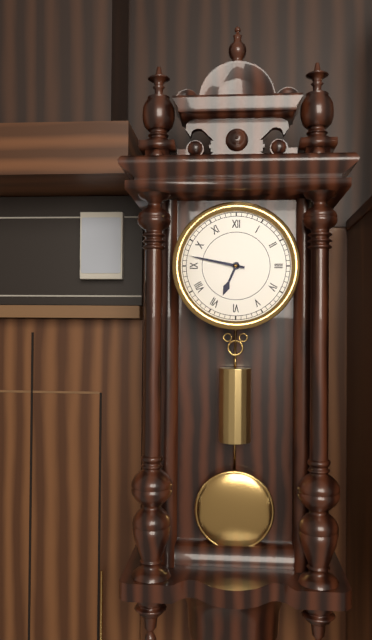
**6:47**
